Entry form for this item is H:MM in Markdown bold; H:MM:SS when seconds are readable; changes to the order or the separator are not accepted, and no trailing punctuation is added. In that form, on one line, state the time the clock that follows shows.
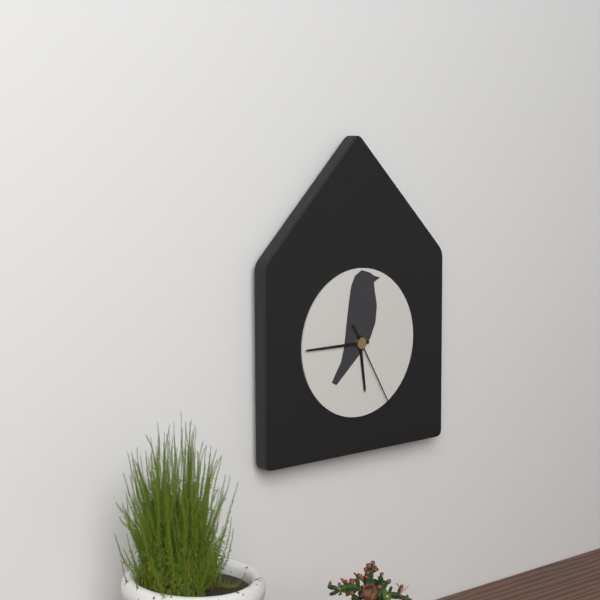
**5:45:25**
